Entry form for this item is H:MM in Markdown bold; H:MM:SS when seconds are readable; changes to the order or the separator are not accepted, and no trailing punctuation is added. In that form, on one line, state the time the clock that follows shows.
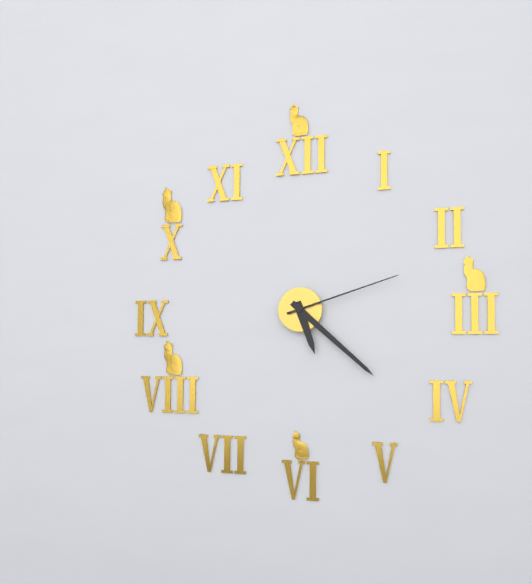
**5:22:12**
